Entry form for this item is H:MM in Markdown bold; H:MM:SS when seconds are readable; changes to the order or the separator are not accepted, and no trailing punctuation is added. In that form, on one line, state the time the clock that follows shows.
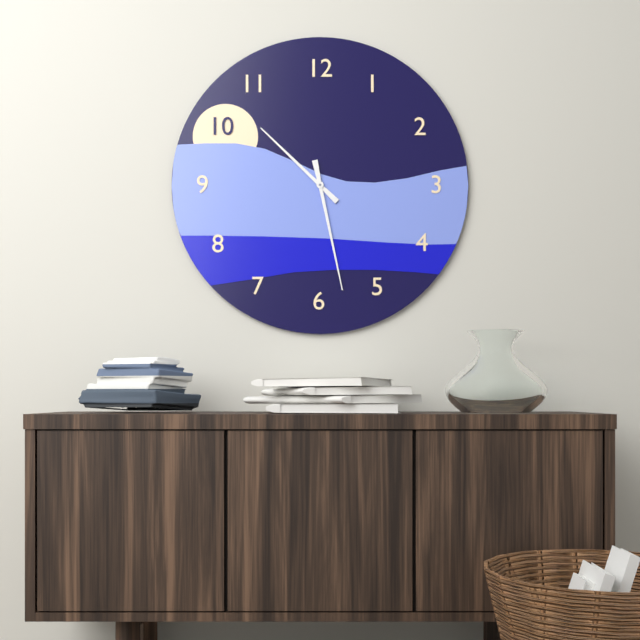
**10:28**
